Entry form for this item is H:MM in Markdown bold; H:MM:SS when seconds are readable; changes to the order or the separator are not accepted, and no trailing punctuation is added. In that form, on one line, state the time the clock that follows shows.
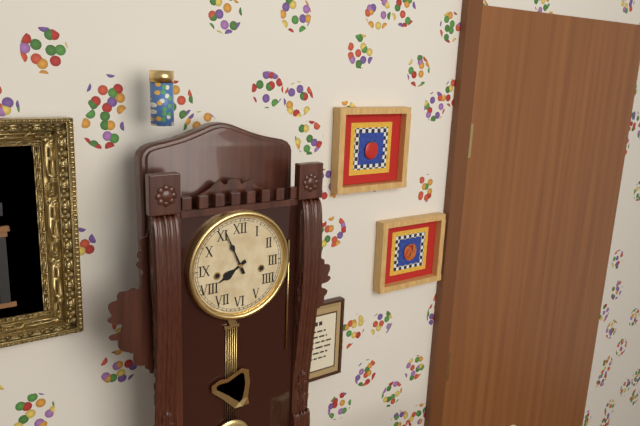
**7:56**
